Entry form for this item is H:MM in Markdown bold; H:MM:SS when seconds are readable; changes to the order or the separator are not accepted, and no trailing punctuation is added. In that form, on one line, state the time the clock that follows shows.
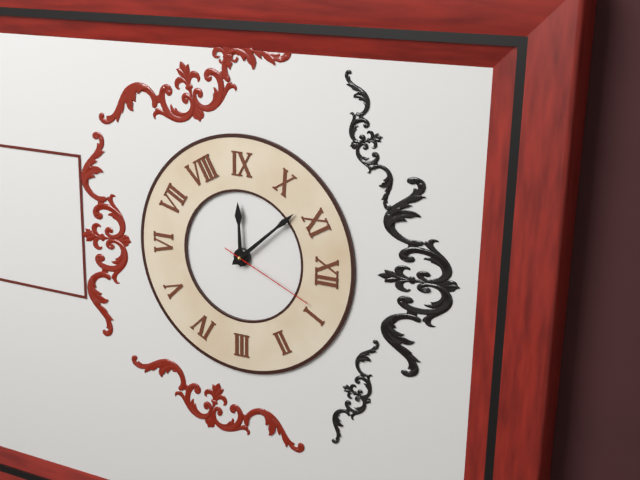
**8:53:04**
